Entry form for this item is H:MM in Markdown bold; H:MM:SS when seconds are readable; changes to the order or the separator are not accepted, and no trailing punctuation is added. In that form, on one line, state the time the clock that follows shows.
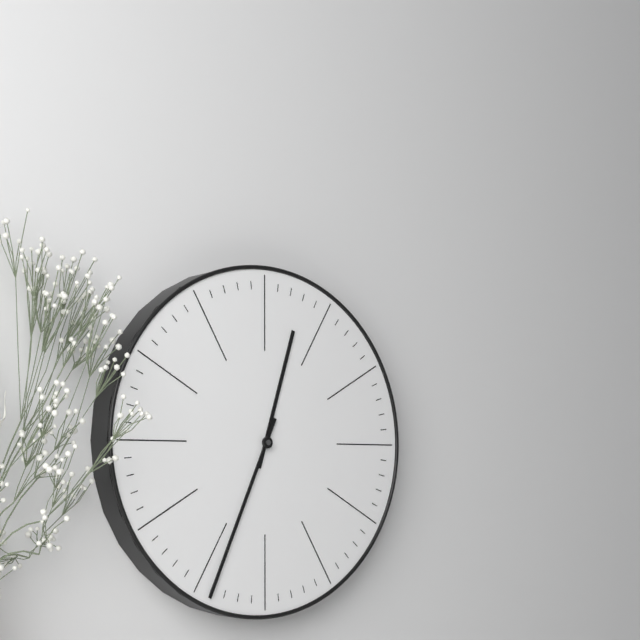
**12:34**
